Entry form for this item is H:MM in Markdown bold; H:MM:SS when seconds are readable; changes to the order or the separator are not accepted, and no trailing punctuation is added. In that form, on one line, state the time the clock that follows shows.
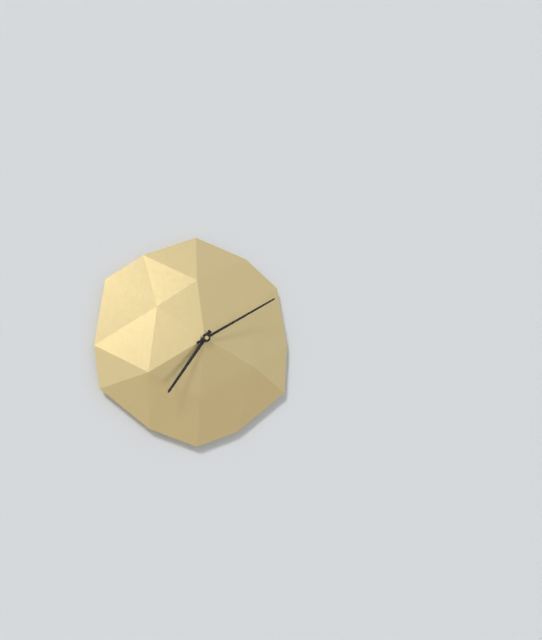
**7:10**
